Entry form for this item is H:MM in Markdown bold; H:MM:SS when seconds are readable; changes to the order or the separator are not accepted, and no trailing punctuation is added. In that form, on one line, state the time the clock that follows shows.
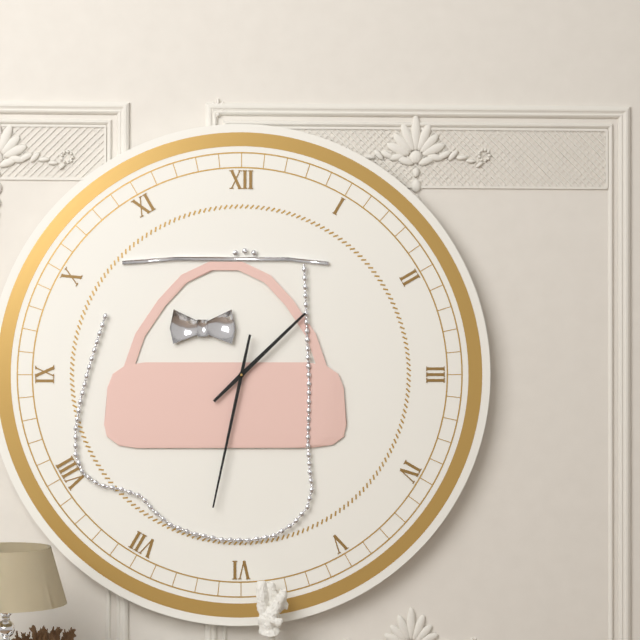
**1:32**
